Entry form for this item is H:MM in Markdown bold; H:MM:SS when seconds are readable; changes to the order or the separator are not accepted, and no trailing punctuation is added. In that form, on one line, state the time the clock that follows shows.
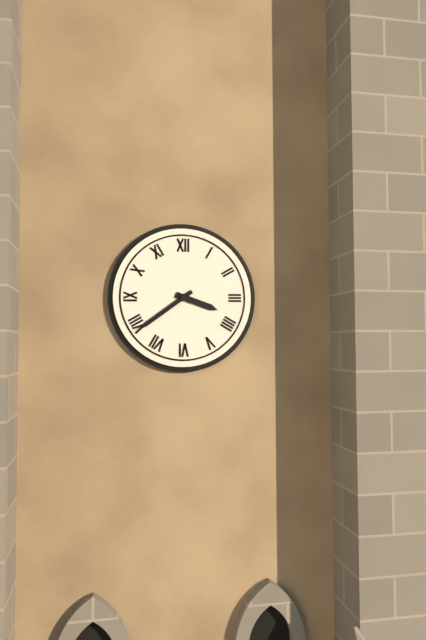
**3:39**
